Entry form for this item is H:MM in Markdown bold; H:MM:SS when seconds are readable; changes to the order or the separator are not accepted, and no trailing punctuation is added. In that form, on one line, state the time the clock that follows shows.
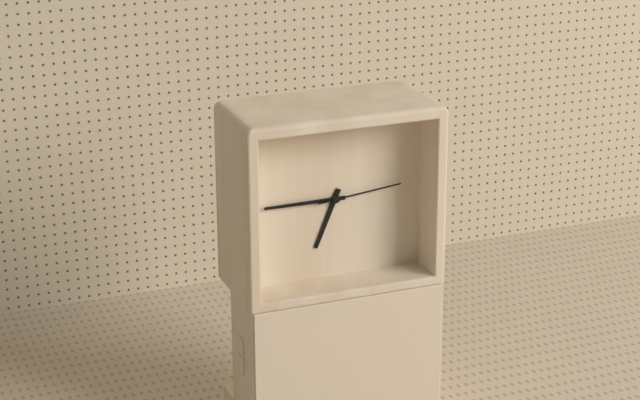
**6:45:14**
